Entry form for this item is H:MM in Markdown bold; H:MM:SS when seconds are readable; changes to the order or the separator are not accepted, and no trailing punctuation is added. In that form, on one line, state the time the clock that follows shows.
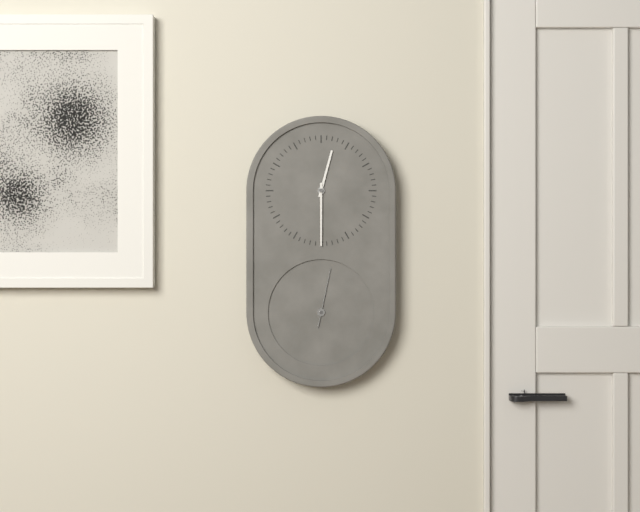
**12:30:02**
